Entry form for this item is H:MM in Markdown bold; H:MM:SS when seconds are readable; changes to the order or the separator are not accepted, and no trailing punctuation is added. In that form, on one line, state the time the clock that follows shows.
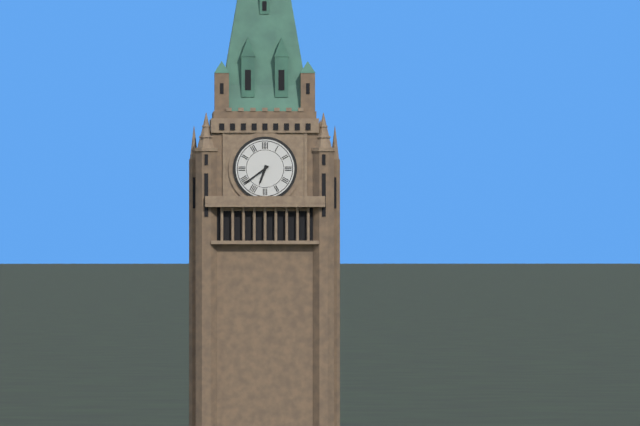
**6:39**
